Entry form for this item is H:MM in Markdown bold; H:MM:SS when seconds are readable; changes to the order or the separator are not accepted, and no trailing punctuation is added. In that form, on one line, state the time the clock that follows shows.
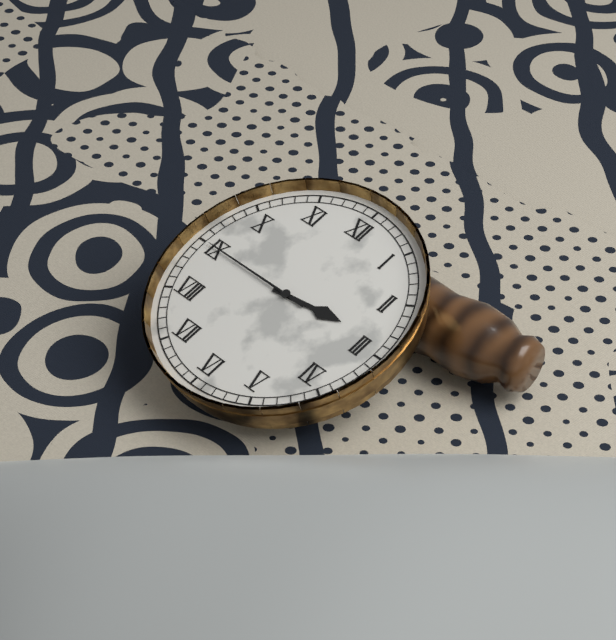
**2:45**
